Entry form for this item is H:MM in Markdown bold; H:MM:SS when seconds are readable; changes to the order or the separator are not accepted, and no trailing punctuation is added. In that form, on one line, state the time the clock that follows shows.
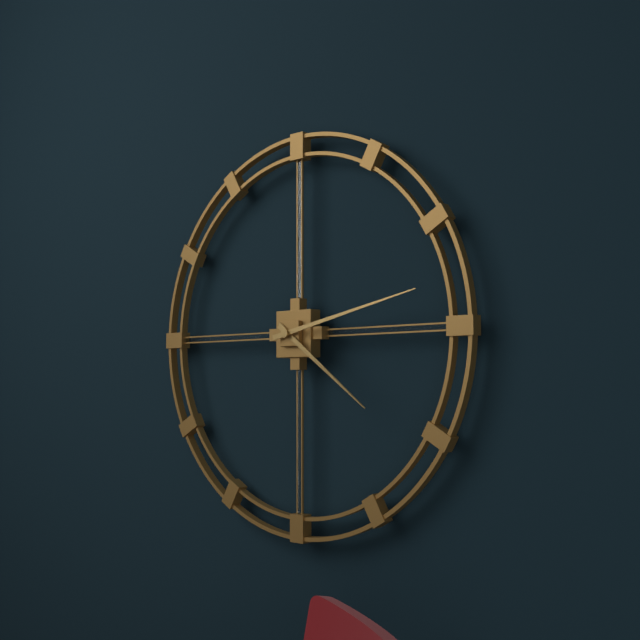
**4:13**
